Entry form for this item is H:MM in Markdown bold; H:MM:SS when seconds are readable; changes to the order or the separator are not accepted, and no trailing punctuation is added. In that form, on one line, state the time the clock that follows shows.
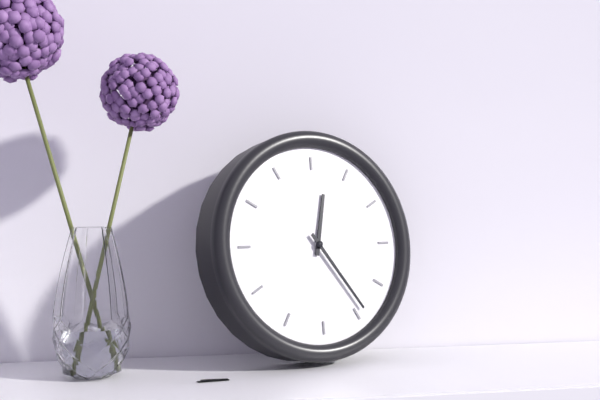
**12:24**
